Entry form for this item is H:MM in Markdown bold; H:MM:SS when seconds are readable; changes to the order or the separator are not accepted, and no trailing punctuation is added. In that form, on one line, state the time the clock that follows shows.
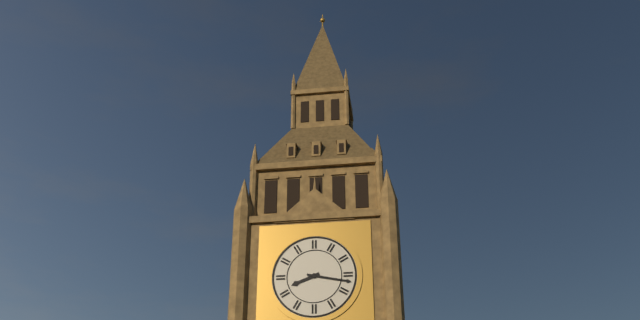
**8:17**
